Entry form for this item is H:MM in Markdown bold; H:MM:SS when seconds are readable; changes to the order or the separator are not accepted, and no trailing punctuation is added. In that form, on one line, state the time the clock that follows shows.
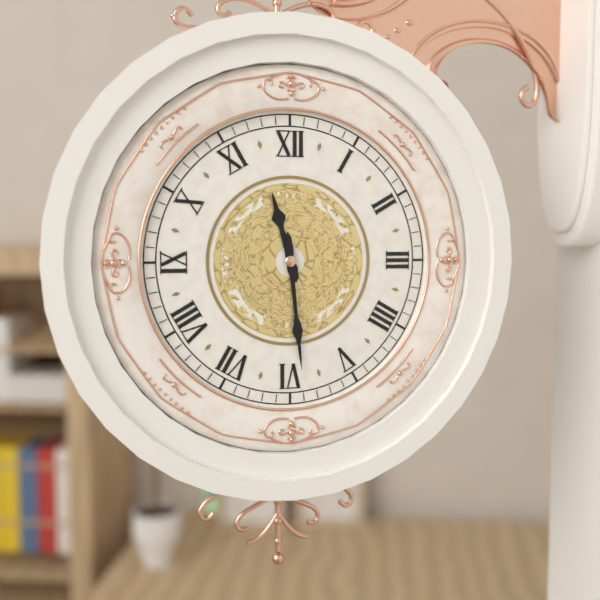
**11:29**
